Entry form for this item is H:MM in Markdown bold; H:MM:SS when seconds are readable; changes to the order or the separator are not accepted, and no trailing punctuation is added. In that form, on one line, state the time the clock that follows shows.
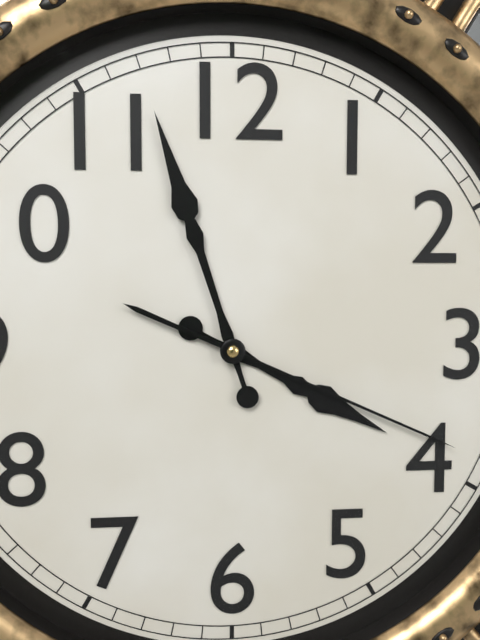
**3:57:19**
